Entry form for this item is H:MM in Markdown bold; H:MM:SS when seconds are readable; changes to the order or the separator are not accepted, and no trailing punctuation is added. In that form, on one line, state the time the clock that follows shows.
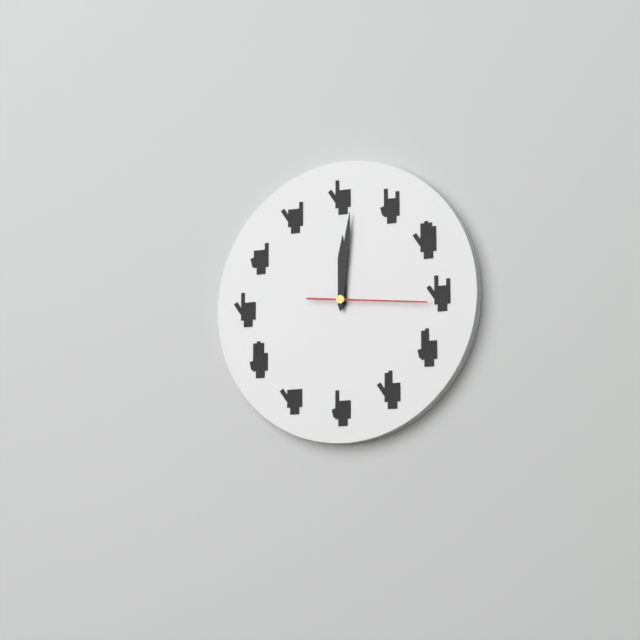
**12:01:16**
